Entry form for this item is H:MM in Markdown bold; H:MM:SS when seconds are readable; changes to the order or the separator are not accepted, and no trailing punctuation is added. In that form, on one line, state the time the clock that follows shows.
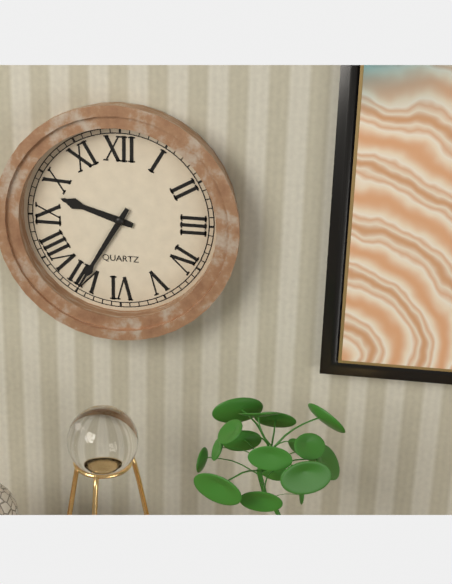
**9:35**
